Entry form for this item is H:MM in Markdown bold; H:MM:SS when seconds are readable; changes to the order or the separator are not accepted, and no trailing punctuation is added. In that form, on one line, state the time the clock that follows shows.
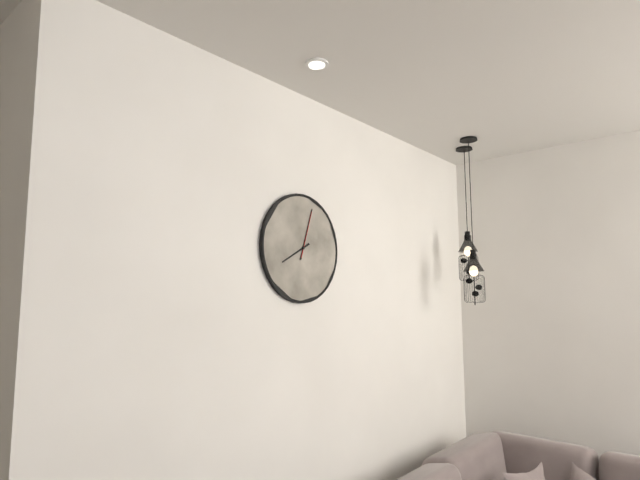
**8:03**
